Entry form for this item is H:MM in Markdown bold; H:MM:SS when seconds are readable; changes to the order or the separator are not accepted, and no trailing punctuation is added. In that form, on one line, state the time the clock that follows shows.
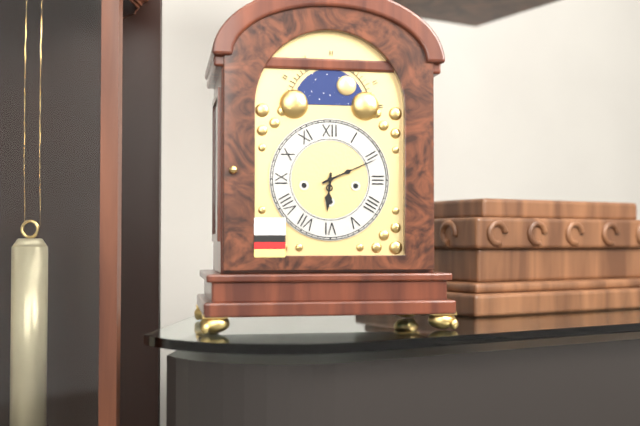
**6:11**
